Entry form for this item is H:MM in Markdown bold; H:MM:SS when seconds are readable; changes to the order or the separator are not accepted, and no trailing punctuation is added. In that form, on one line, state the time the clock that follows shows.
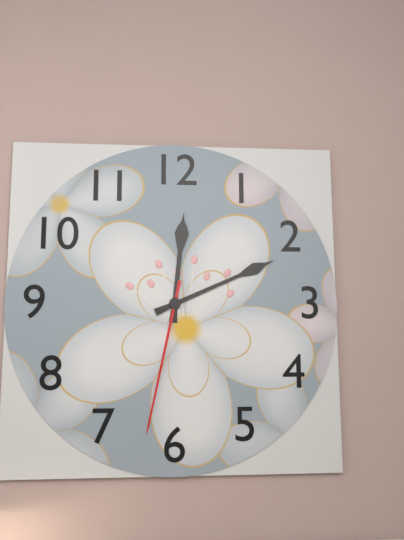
**12:11:32**
